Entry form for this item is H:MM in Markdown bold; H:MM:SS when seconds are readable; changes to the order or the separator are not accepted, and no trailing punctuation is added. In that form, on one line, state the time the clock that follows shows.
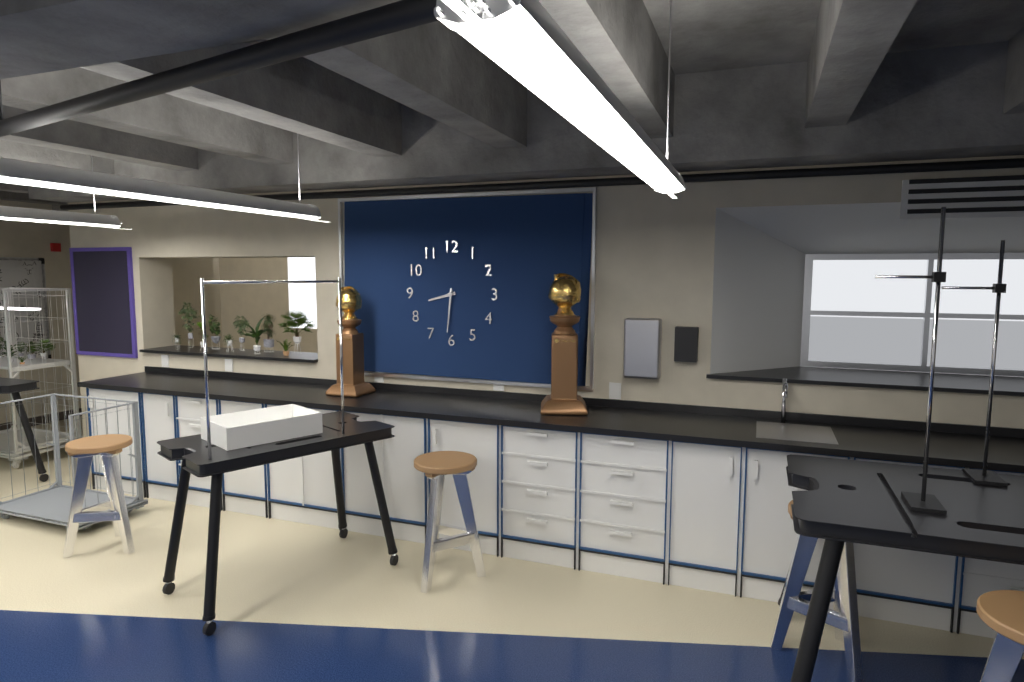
**8:31**
